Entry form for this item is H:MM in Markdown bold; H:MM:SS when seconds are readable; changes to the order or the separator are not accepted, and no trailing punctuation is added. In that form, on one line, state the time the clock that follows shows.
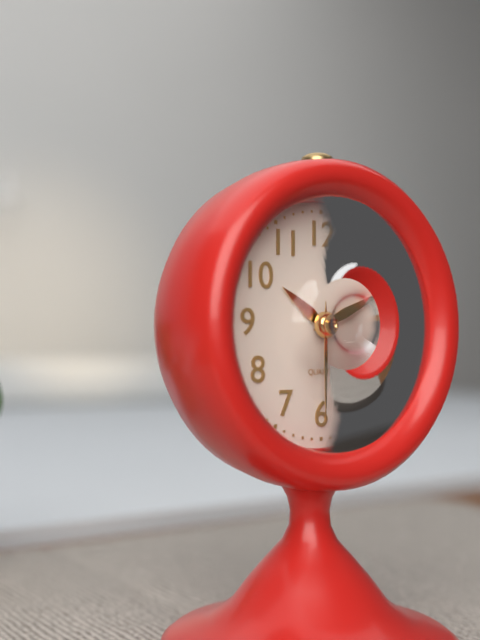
**10:11:30**
